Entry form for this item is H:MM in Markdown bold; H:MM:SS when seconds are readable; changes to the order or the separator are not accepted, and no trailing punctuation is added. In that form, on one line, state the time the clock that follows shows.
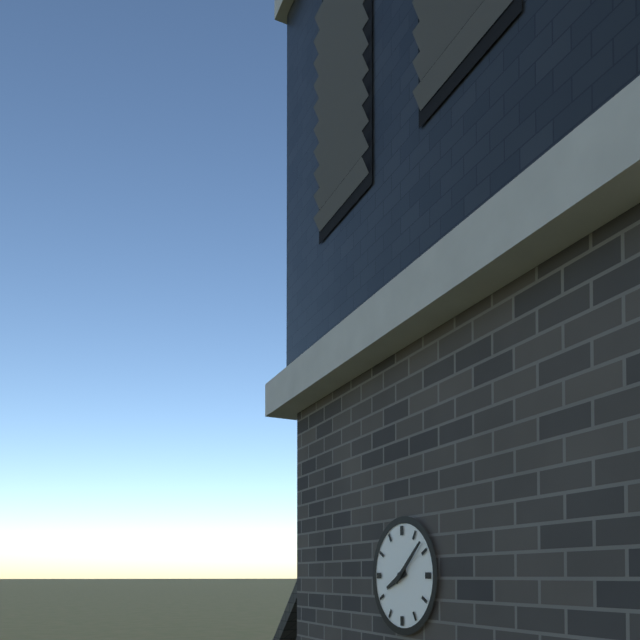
**8:08**
